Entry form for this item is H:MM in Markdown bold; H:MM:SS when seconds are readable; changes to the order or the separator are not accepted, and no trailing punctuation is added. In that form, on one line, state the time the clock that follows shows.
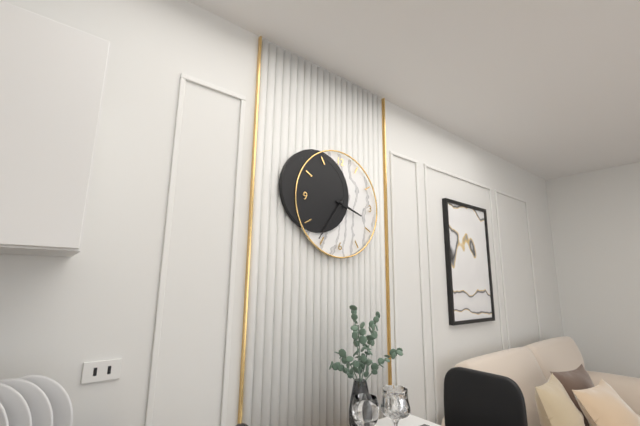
**3:36**
